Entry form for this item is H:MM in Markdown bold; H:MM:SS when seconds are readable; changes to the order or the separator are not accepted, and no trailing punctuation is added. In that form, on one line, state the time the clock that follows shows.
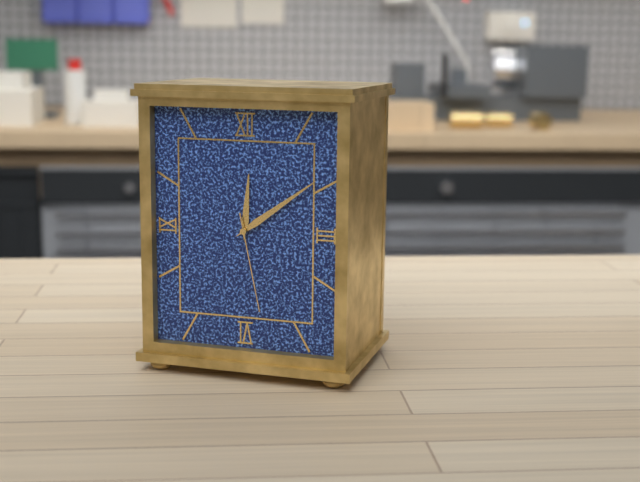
**12:09:28**
